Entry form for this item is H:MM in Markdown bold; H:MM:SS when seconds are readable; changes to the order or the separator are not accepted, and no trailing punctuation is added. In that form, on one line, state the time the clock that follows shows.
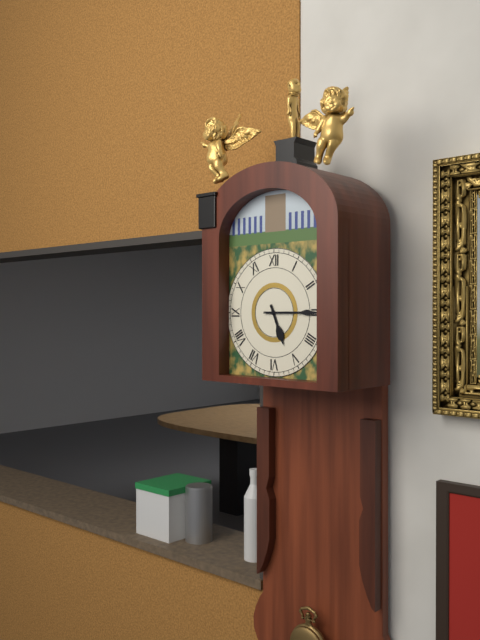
**5:15**
